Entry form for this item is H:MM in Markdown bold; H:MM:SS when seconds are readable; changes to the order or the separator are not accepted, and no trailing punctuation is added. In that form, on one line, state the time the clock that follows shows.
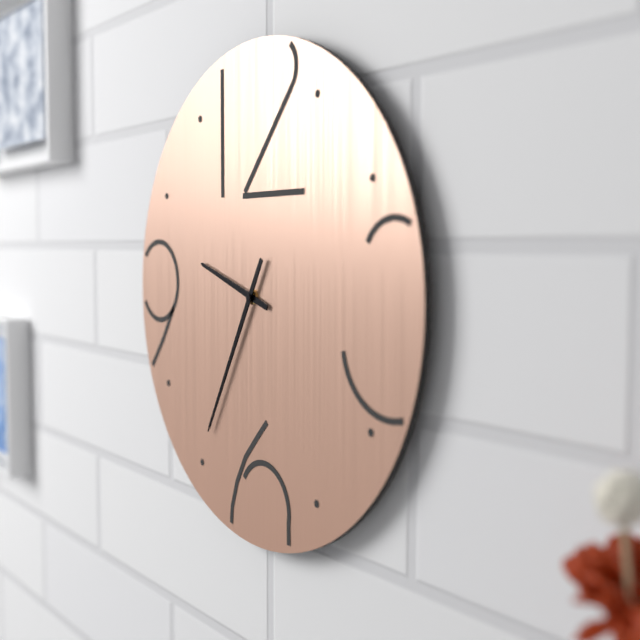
**9:35**
